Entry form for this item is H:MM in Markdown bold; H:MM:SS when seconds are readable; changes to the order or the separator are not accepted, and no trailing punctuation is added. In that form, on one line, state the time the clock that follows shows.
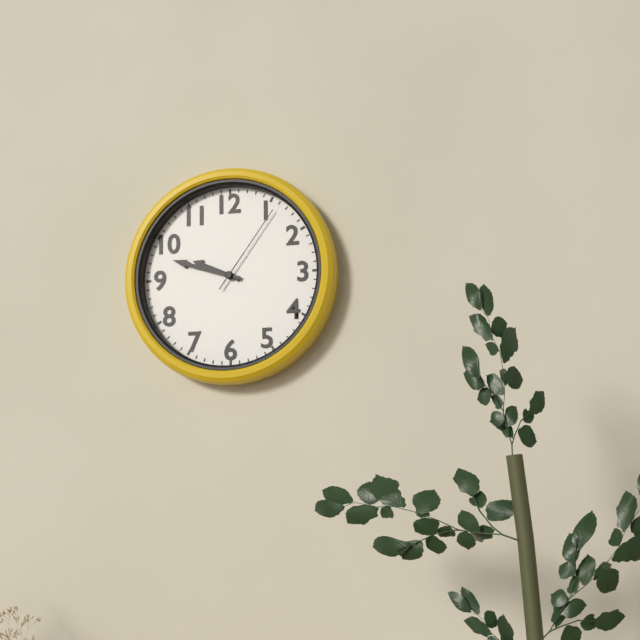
**9:48:06**
